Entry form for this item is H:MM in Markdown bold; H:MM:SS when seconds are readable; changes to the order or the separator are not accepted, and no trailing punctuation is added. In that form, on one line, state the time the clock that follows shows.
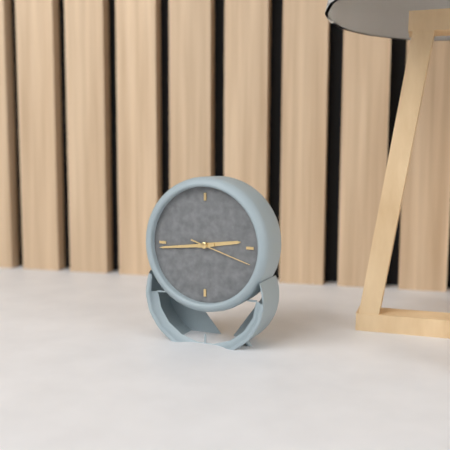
**2:44:18**
